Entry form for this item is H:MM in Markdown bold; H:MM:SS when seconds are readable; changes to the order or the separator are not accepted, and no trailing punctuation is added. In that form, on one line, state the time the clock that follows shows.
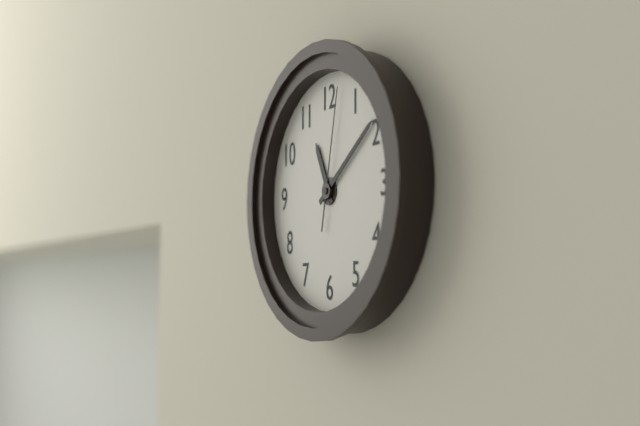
**11:09:02**
